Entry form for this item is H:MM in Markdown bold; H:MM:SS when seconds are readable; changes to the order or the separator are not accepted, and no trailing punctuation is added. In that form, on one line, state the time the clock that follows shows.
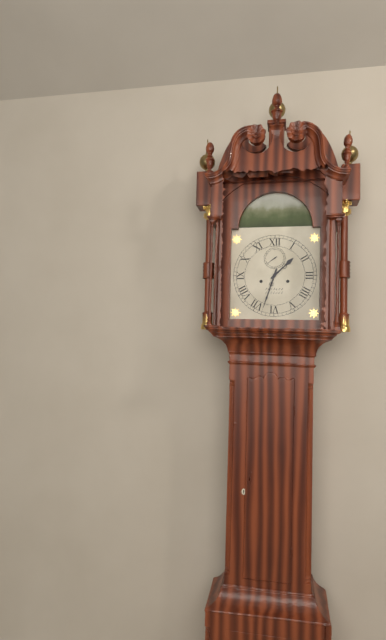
**1:33**
